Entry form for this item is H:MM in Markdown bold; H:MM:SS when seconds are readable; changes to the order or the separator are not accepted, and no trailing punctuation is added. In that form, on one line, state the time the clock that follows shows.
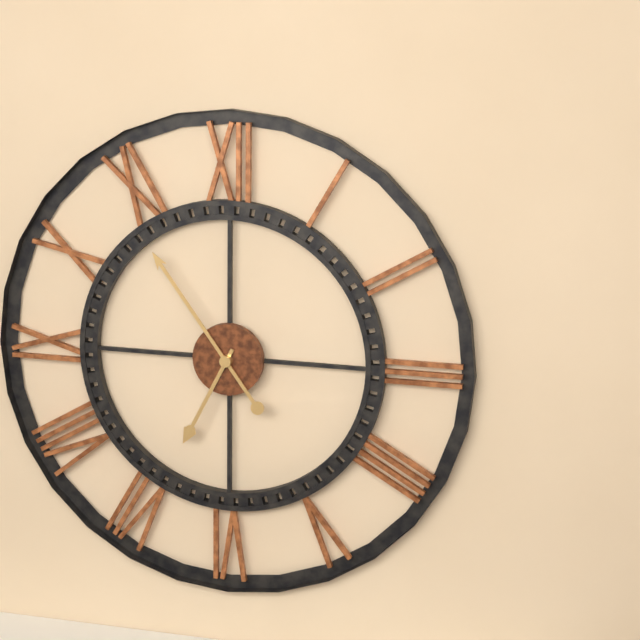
**6:54**
